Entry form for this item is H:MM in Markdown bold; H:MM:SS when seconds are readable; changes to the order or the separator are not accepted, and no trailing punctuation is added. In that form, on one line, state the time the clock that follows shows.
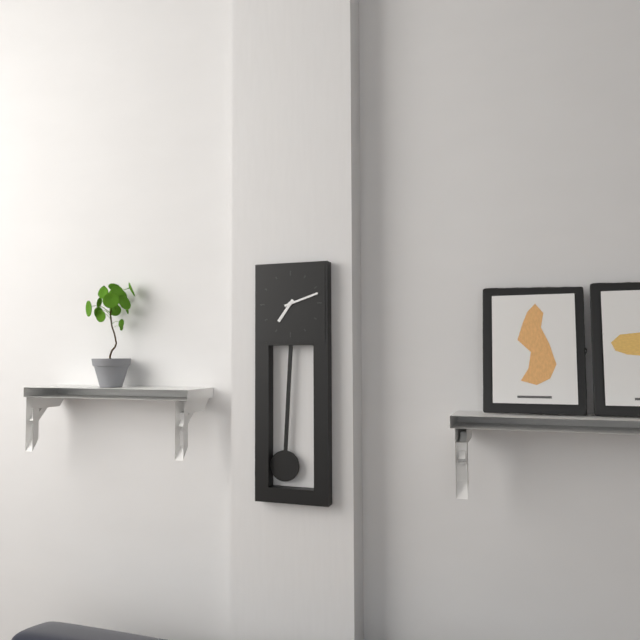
**7:12**
